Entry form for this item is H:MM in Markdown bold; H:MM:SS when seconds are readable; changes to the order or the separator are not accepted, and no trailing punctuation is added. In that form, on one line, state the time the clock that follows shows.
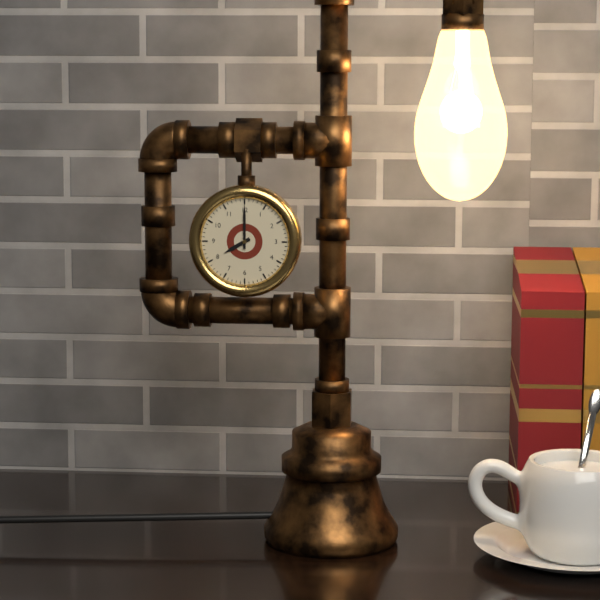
**8:00**
